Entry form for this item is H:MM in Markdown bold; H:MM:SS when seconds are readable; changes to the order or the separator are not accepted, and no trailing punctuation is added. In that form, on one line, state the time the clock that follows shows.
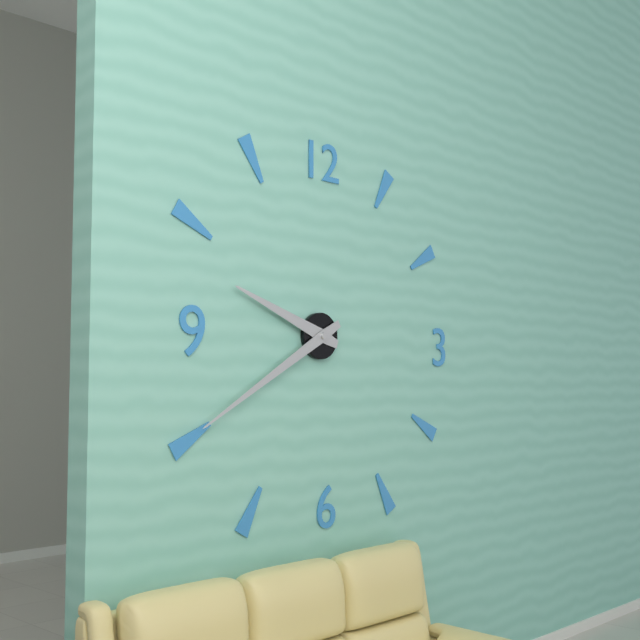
**9:40**
